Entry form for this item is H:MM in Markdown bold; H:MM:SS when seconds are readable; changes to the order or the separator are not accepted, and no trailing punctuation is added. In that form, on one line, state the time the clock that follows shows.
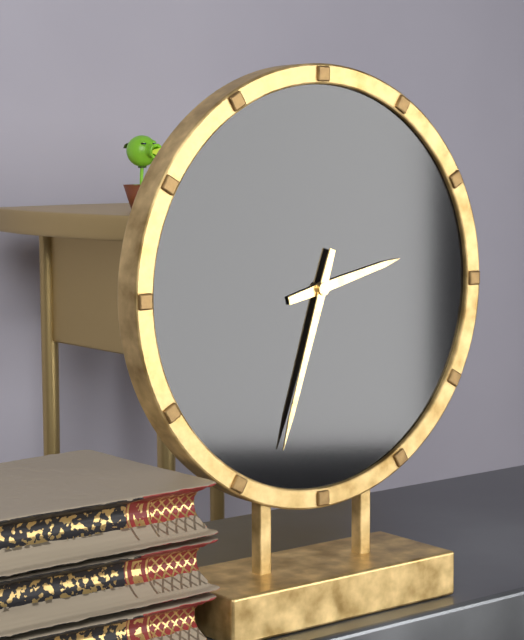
**2:33**
